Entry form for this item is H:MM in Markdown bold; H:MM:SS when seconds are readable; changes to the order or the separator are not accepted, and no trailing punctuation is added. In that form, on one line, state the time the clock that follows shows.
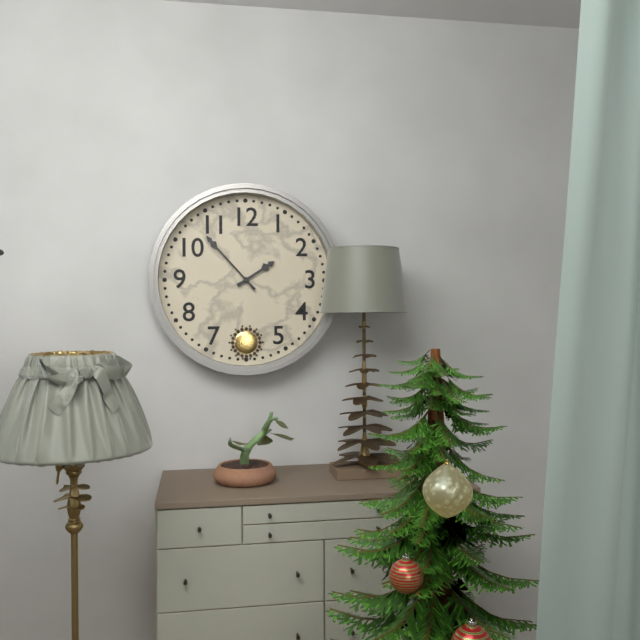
**1:53**
